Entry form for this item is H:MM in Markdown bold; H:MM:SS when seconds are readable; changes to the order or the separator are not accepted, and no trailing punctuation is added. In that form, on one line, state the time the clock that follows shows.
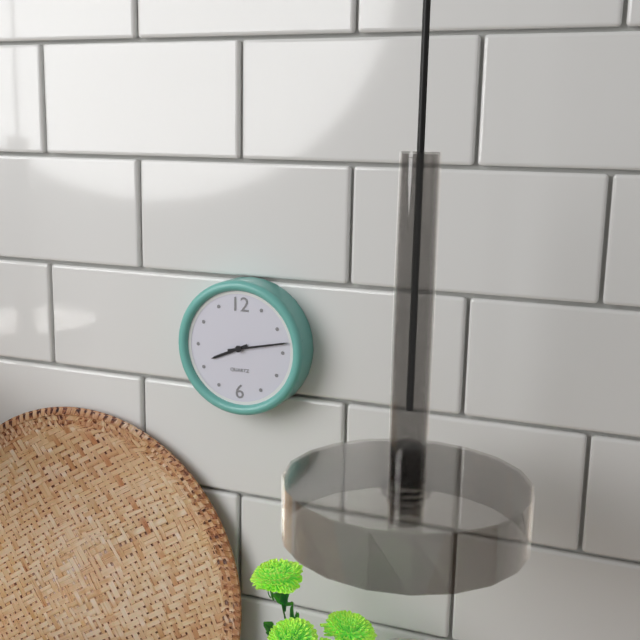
**8:13**
